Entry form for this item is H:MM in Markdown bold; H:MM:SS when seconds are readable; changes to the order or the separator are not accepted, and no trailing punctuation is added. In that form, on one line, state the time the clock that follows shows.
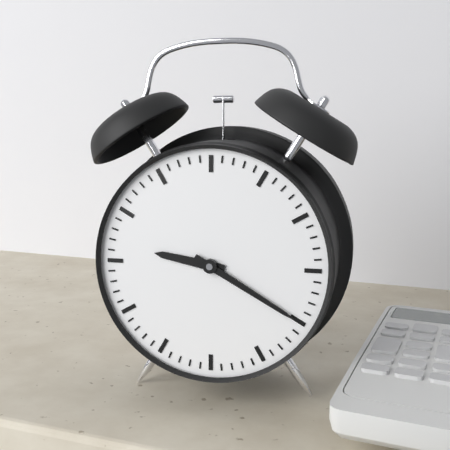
**9:20**
